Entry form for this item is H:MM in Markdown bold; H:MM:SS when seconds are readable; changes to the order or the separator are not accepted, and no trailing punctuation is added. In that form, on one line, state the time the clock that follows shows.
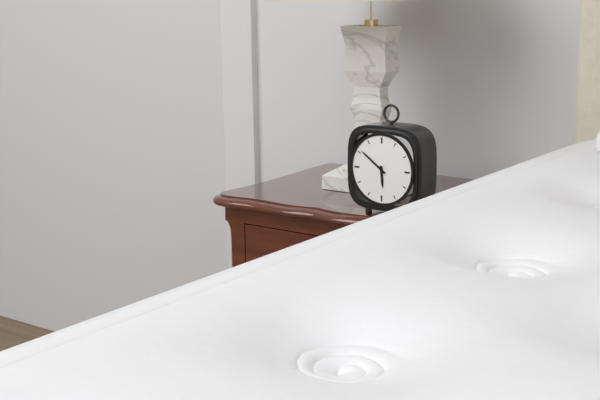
**5:51**
